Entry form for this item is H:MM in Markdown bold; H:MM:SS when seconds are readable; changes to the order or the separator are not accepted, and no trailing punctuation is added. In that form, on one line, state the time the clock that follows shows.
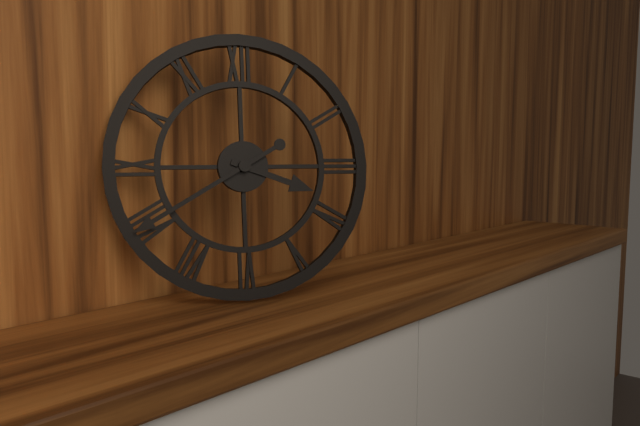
**3:40**
